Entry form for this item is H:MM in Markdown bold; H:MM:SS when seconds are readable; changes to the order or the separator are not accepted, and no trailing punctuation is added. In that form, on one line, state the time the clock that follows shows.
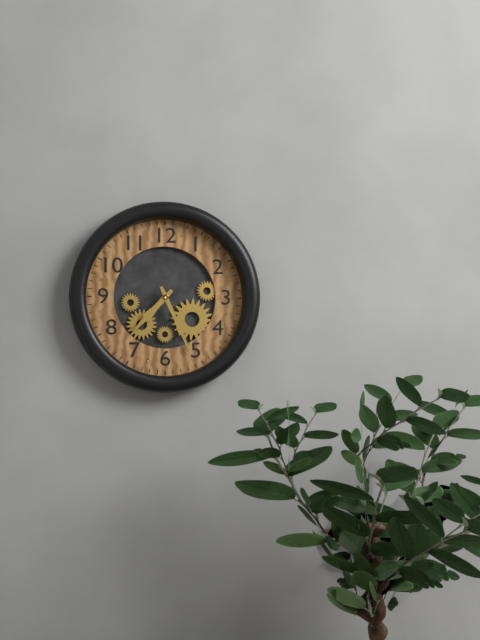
**7:26**
